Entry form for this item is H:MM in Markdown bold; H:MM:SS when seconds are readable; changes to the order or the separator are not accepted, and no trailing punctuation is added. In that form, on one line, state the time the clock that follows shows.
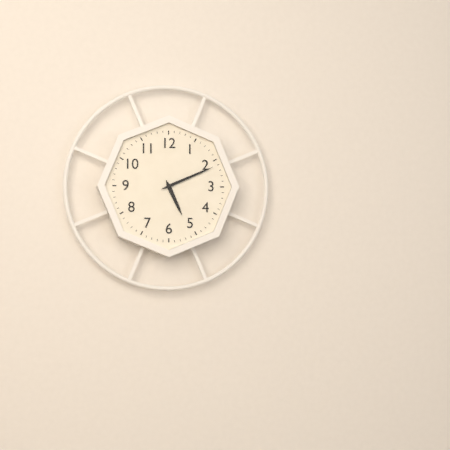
**5:11**
